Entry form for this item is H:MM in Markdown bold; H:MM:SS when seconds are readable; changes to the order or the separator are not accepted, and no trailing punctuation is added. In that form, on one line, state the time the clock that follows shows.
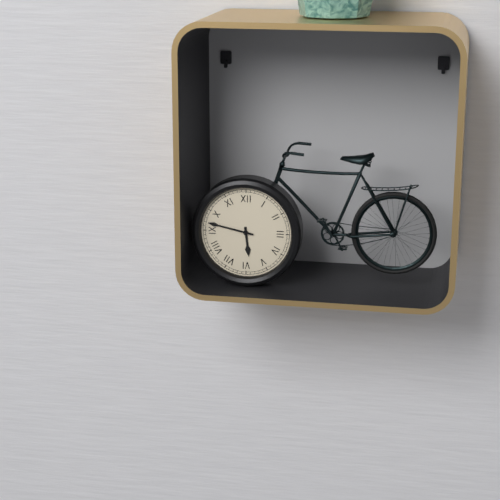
**5:47**
